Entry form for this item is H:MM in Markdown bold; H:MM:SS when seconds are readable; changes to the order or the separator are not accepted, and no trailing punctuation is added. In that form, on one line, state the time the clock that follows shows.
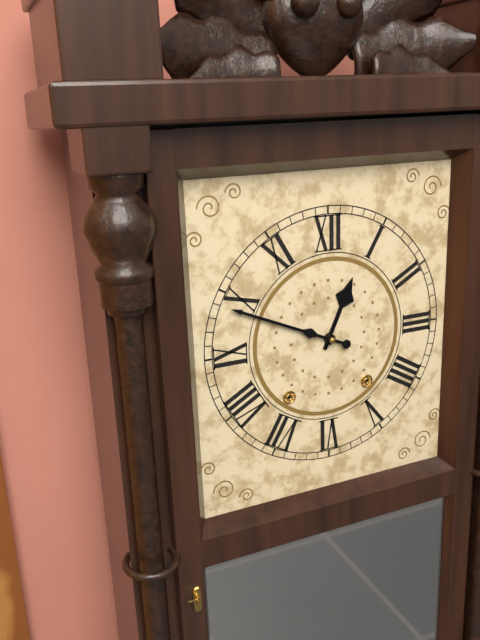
**12:49**
